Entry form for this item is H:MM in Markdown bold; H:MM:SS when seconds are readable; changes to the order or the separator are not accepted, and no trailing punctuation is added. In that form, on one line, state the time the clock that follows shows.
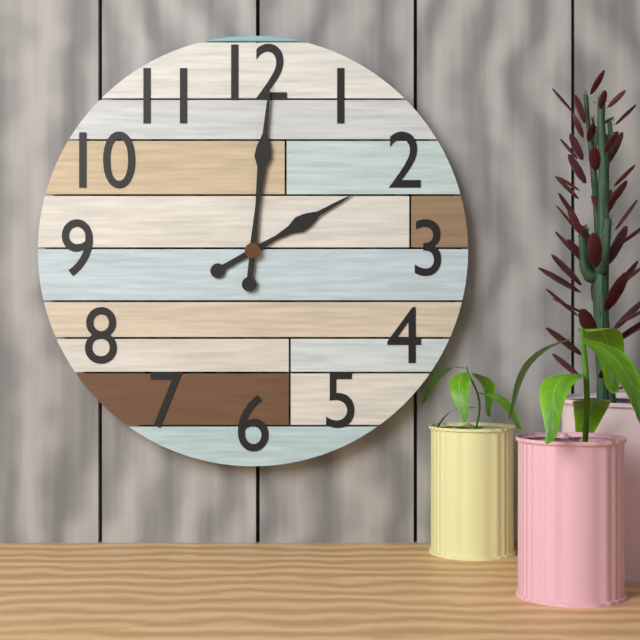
**2:01**
